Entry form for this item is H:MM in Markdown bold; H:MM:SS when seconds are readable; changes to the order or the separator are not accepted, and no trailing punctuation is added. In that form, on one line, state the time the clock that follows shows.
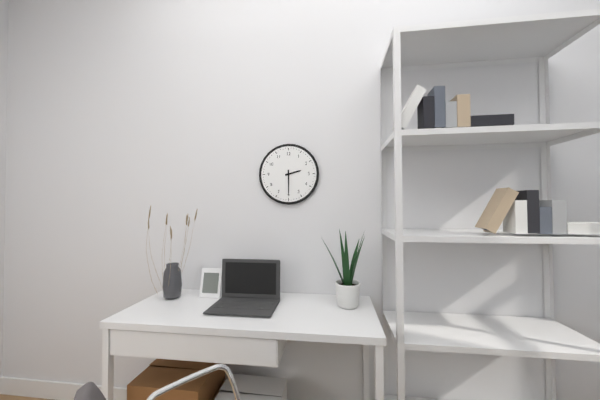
**2:30**
